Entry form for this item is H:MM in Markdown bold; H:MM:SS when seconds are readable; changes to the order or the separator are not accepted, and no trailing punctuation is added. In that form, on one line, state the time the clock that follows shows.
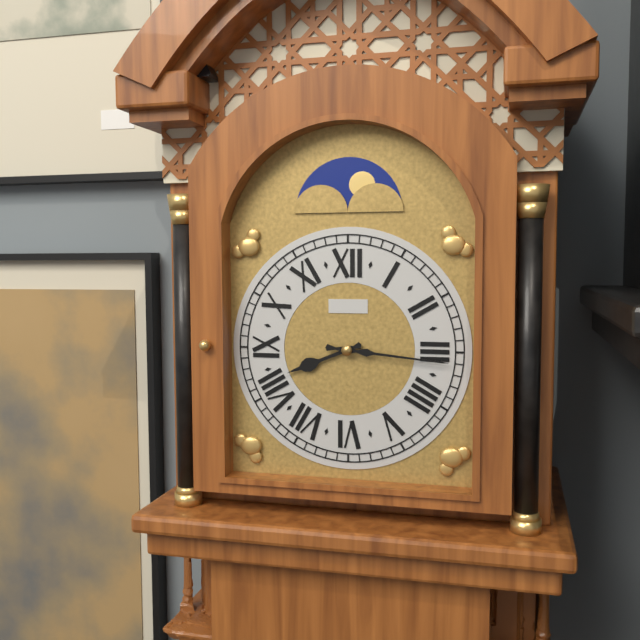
**8:16**
